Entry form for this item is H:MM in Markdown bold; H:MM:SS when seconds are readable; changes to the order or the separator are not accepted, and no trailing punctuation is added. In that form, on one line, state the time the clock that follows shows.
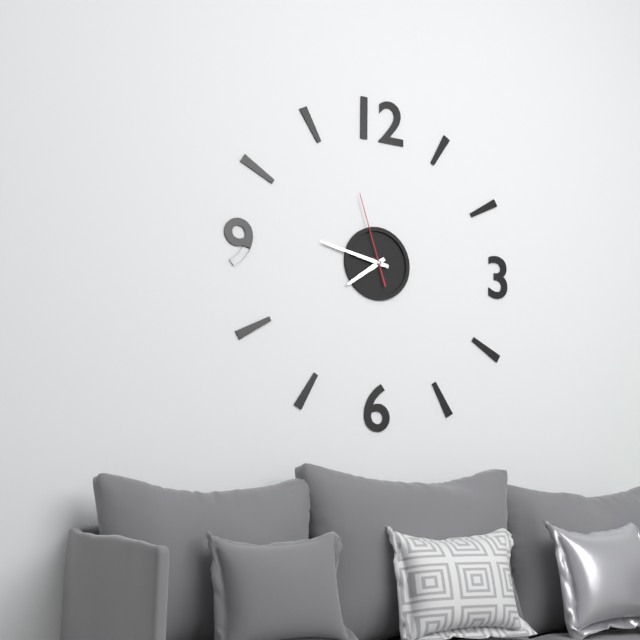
**7:47:57**
